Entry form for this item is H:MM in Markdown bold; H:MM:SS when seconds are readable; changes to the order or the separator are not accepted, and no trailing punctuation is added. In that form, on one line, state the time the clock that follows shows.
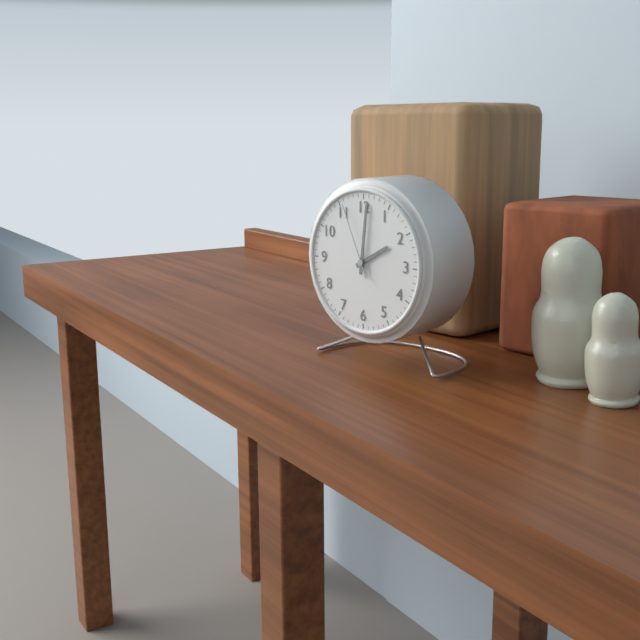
**2:01:56**
